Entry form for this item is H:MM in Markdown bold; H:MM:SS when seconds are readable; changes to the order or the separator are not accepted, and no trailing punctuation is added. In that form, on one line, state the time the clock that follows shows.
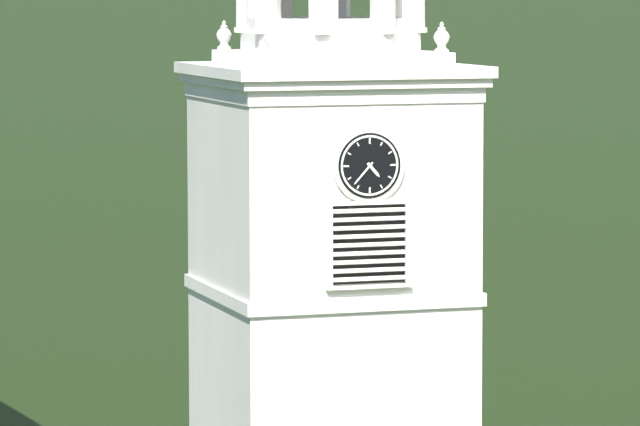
**4:37**
